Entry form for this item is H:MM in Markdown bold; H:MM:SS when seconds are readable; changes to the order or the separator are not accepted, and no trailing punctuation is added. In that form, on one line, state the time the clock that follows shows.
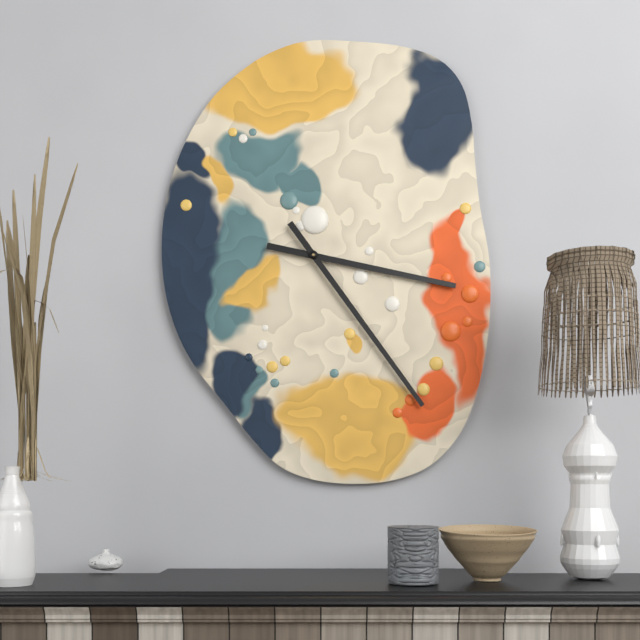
**3:24**
